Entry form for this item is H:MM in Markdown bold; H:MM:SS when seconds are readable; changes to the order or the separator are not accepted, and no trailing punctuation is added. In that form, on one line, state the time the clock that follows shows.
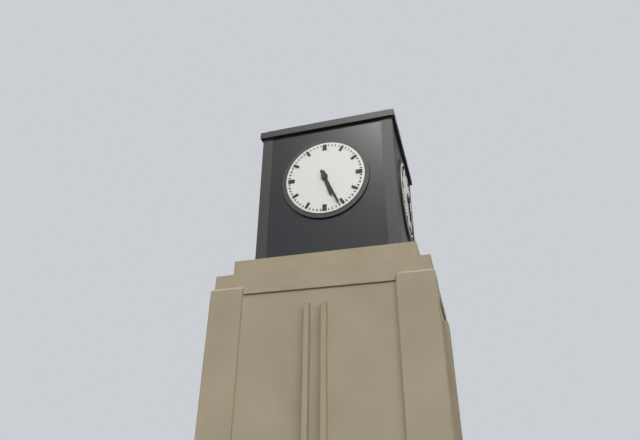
**5:26**
